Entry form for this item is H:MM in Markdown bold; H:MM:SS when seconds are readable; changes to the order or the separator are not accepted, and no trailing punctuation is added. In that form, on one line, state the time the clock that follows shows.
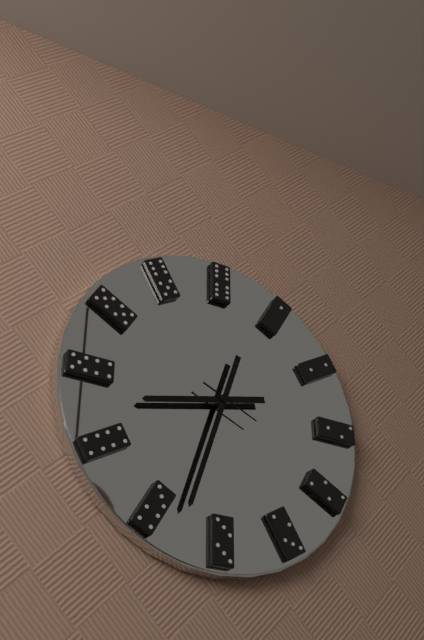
**8:33:19**
